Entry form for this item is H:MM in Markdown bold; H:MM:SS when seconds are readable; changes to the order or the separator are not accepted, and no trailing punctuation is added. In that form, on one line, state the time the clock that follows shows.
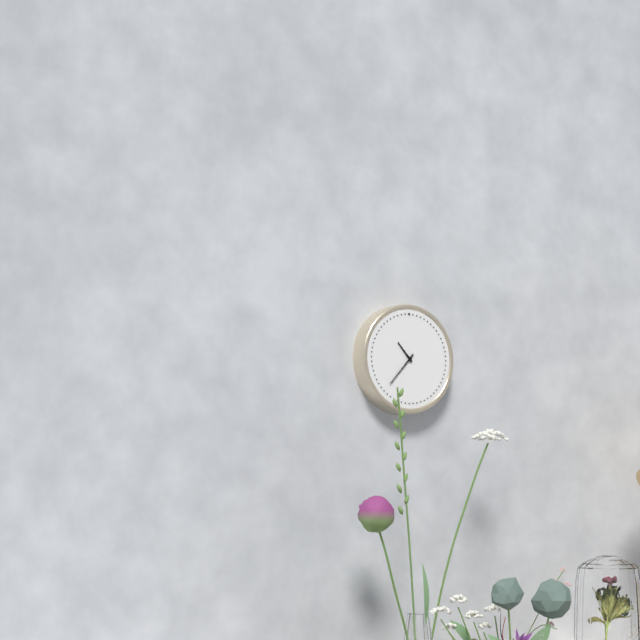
**10:37**
